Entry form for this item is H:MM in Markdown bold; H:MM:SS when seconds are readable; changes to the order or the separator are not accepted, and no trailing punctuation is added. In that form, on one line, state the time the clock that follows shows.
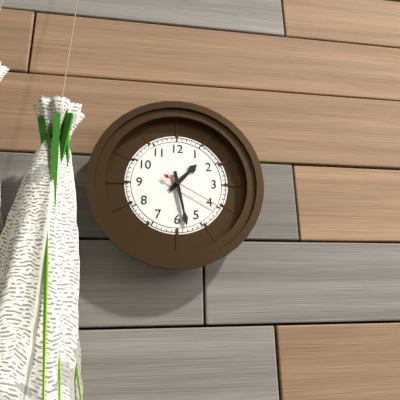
**1:28:20**
